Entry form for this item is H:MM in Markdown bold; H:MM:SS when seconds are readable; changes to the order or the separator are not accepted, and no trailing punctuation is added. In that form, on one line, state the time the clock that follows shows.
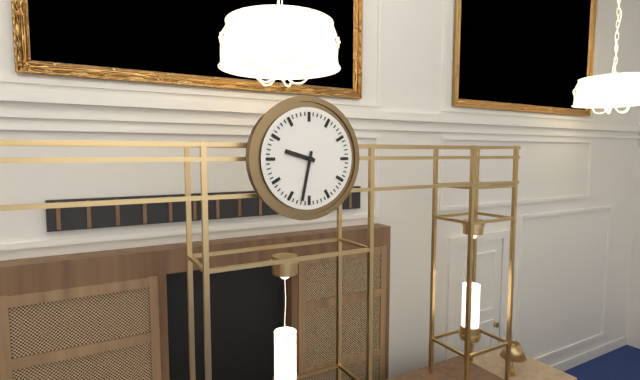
**9:32**
